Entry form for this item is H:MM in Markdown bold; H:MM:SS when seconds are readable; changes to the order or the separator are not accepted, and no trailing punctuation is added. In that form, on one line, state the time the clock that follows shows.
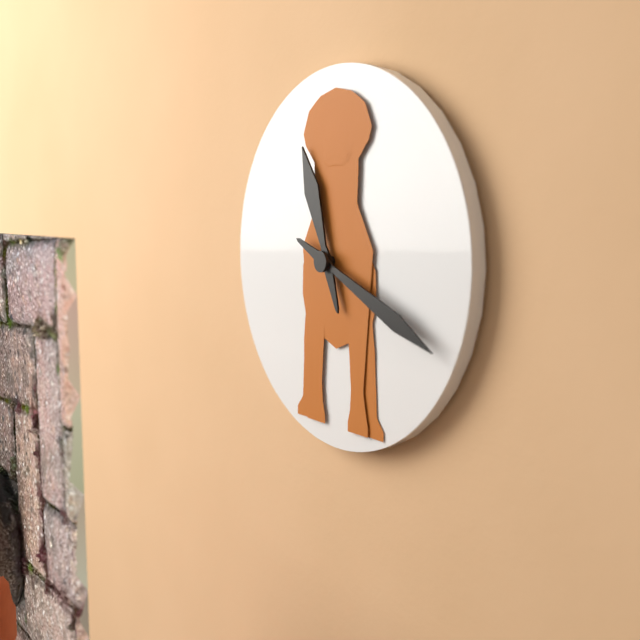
**11:19**
